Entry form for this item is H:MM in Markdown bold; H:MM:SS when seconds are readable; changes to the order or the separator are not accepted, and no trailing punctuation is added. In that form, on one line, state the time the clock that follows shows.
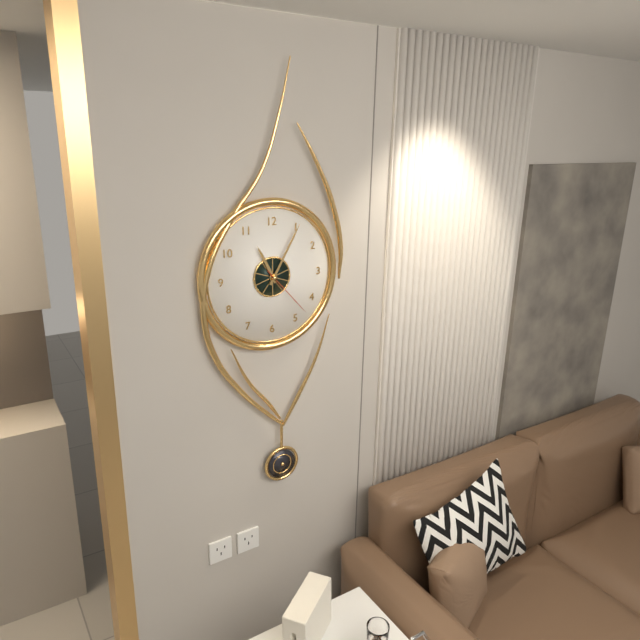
**11:05:23**
